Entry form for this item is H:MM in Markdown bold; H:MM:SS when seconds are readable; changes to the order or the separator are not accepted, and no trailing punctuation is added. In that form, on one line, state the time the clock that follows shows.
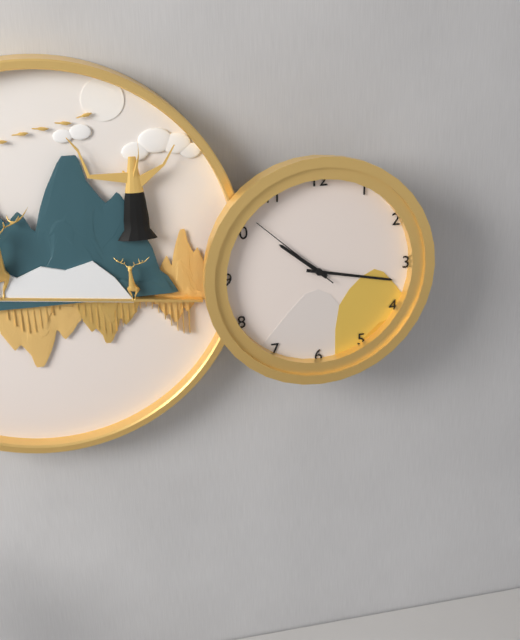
**10:17:52**
